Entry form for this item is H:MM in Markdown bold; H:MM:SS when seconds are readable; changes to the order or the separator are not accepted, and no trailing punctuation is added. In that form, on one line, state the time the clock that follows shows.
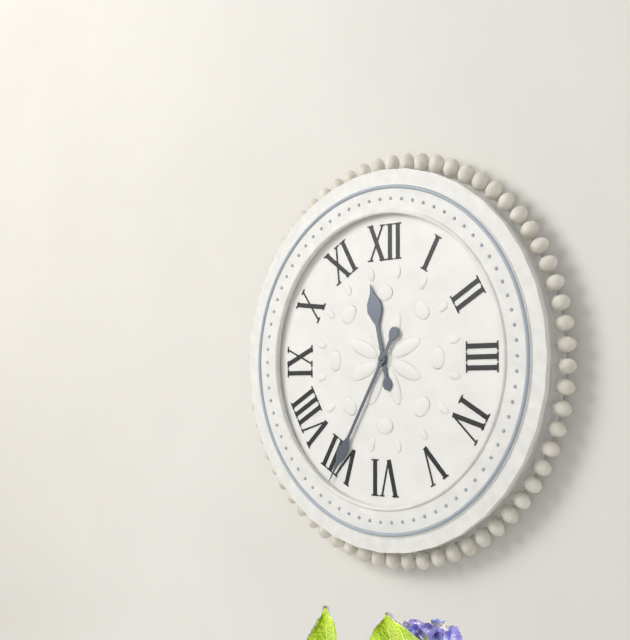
**11:35**
